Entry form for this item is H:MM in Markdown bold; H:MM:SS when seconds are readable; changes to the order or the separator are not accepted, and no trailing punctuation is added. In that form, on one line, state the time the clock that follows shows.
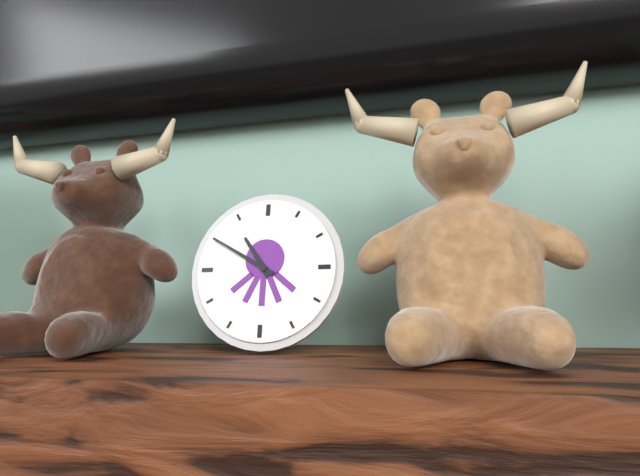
**10:50**
